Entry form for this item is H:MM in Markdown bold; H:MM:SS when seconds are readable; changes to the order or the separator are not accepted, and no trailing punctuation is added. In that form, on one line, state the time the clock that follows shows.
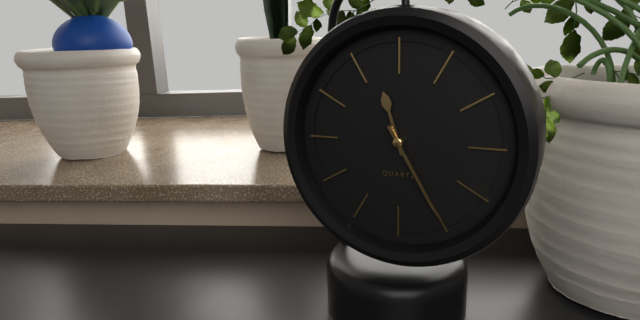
**11:25**
